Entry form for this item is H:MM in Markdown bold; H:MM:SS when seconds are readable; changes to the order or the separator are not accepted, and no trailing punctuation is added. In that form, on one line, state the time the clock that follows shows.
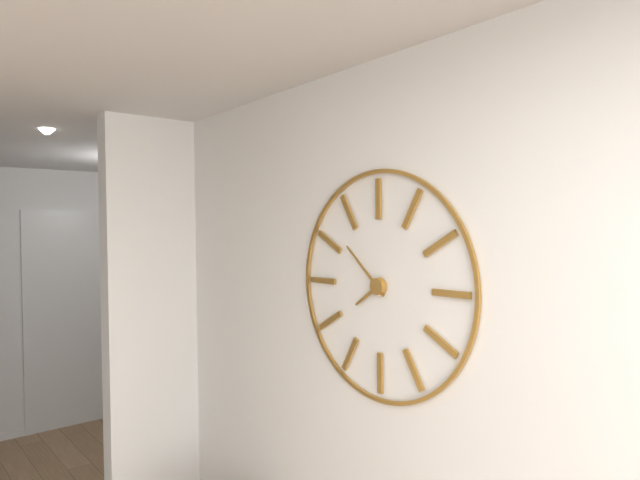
**7:52**
